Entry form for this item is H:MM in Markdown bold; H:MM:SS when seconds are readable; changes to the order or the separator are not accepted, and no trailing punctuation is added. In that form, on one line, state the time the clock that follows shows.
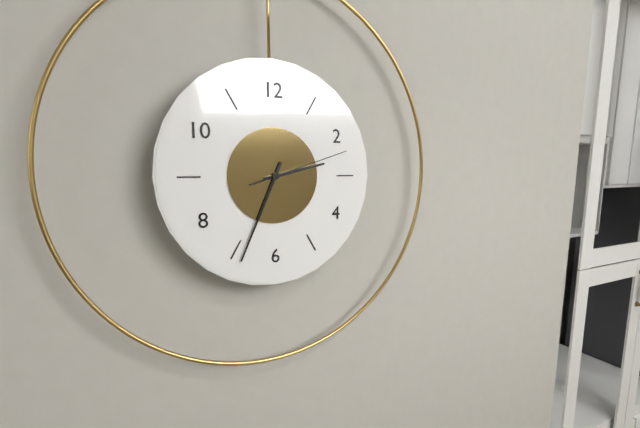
**2:34:12**
